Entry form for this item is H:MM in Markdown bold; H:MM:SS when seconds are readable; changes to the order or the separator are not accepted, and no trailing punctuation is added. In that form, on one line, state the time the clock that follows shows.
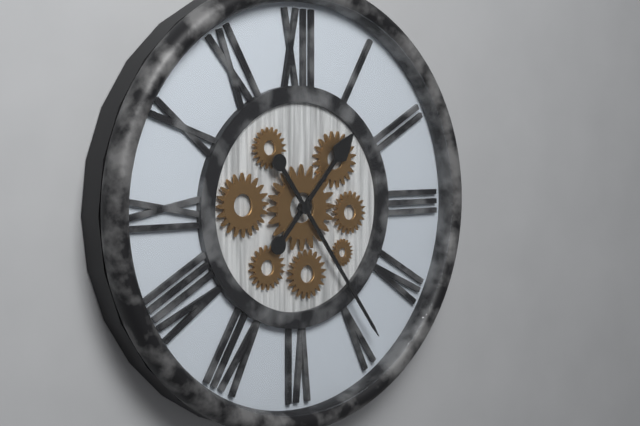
**1:24**
